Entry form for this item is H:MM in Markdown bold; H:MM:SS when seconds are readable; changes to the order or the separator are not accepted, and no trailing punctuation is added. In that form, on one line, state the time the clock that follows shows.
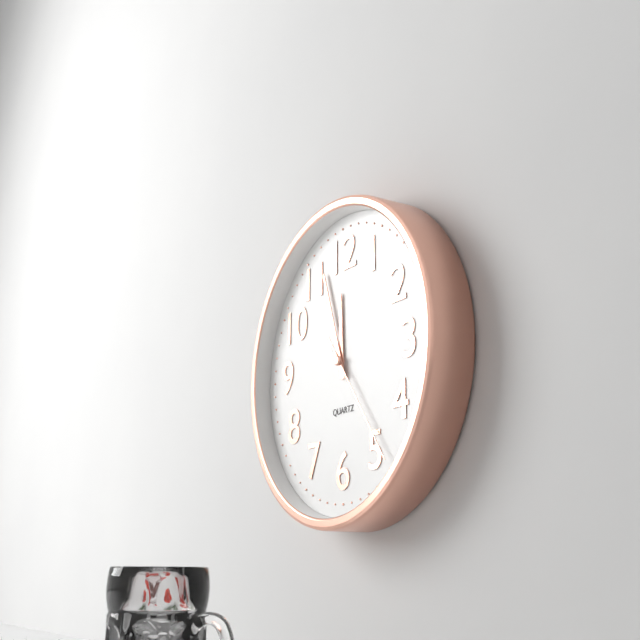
**11:57:24**
